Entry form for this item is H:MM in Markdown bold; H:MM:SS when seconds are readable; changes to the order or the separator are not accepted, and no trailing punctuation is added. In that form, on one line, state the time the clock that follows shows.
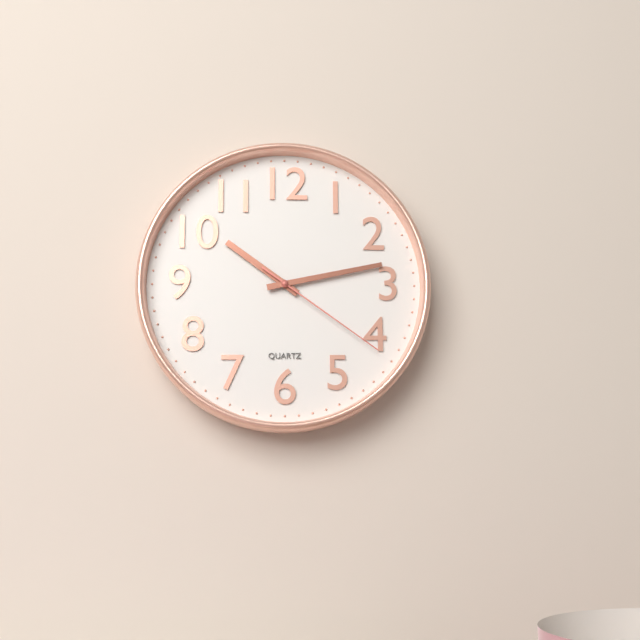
**10:13:21**
